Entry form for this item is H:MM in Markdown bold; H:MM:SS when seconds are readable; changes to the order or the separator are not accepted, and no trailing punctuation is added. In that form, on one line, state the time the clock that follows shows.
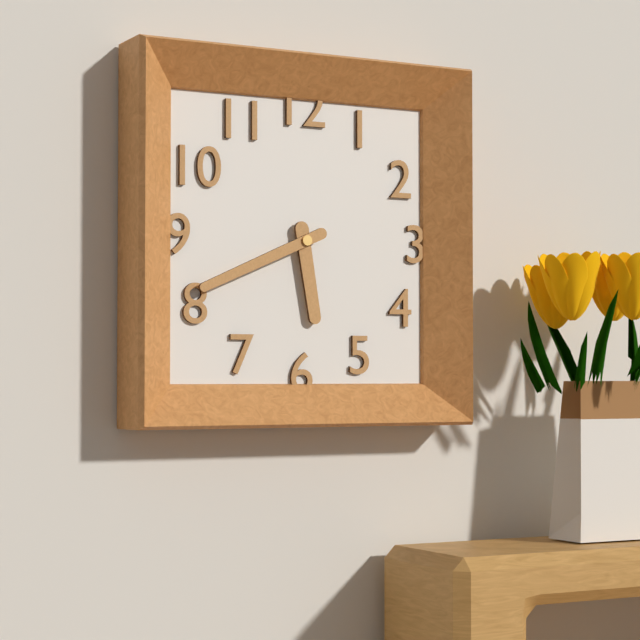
**5:41**
